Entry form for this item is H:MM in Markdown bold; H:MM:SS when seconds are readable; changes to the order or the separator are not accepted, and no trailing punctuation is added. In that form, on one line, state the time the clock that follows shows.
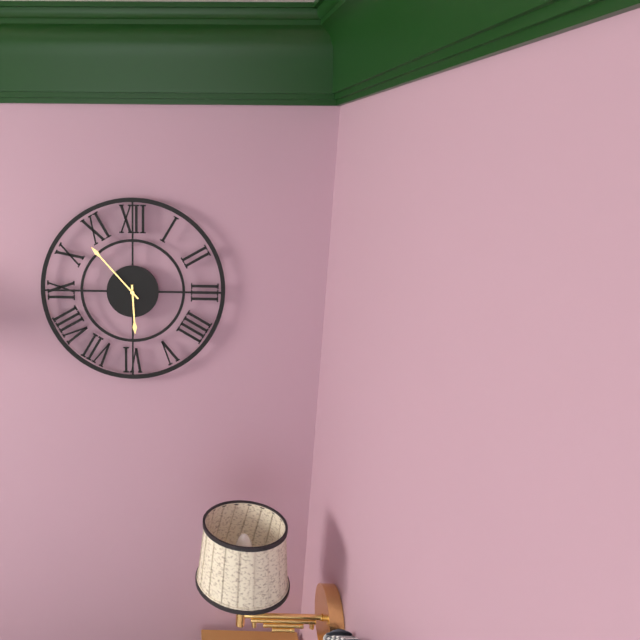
**5:53**
